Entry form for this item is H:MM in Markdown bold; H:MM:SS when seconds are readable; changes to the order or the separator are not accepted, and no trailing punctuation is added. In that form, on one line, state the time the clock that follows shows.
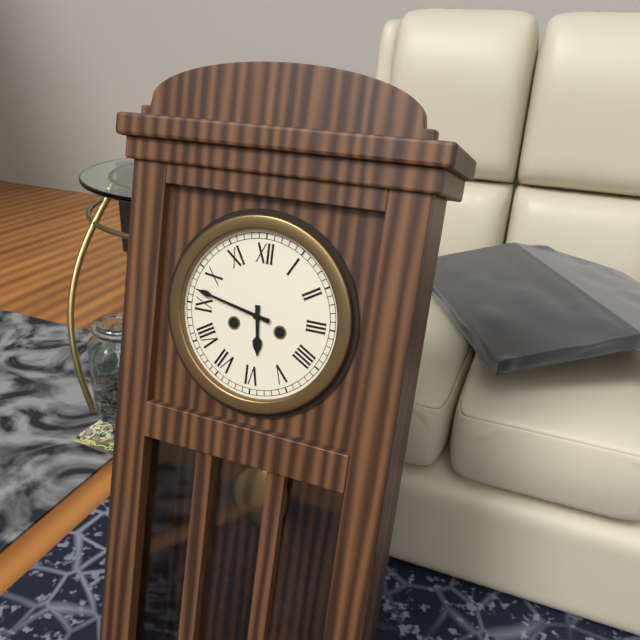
**5:47**
